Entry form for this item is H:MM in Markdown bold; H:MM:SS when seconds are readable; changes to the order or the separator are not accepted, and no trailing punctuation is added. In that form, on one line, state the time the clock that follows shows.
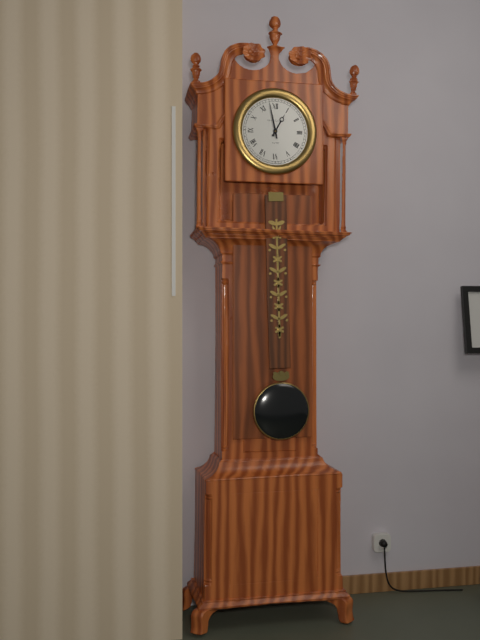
**12:58**
